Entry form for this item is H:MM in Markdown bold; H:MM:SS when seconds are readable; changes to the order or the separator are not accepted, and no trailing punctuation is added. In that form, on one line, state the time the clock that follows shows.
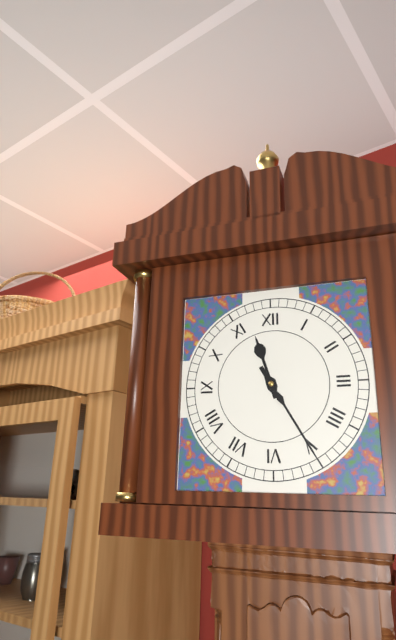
**11:25**
